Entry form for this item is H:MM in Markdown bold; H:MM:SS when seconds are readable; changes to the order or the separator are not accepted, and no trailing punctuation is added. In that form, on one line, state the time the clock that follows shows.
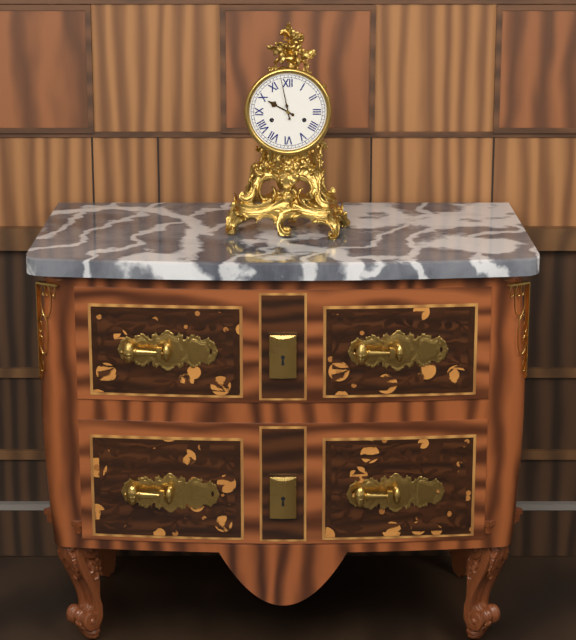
**9:58**
